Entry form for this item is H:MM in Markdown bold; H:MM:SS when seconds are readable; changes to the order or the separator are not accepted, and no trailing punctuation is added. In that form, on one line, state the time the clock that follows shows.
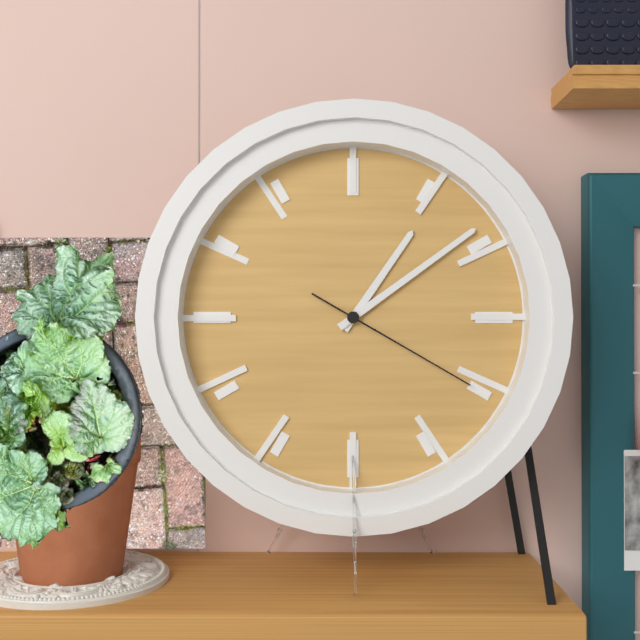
**1:09:20**
